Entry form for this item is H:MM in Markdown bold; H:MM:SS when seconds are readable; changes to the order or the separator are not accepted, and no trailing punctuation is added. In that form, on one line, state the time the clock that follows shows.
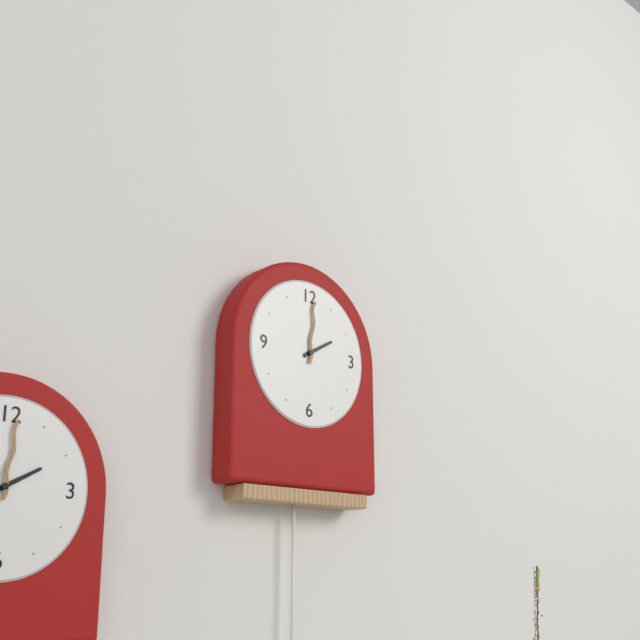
**2:01**
